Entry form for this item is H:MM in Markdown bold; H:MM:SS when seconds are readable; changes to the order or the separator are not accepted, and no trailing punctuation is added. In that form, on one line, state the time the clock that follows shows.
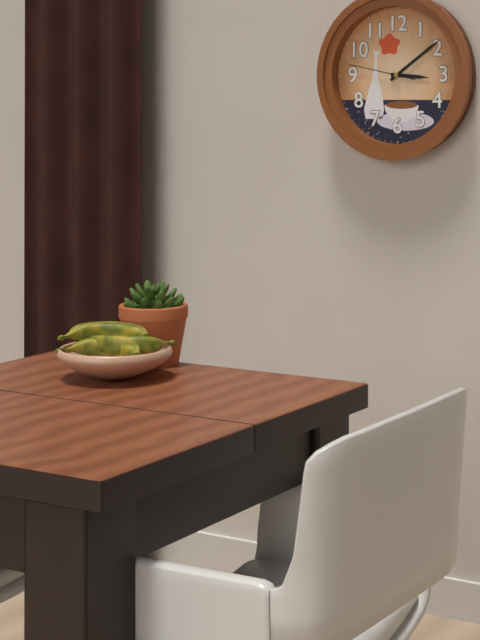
**3:09:47**
